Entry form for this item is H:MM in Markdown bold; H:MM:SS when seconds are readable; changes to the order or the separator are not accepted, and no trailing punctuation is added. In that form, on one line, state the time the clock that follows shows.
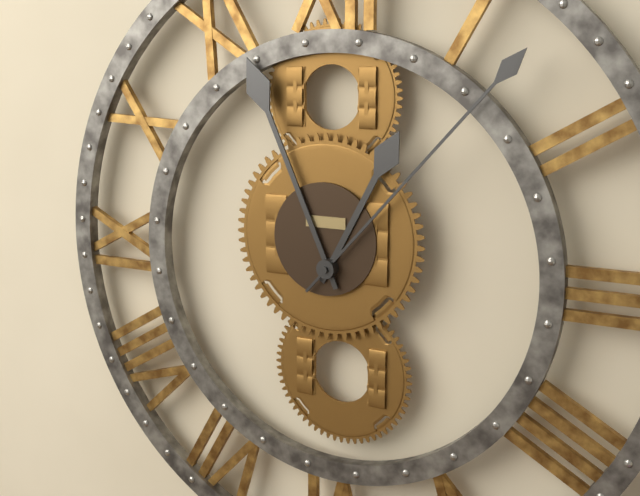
**12:56:07**
